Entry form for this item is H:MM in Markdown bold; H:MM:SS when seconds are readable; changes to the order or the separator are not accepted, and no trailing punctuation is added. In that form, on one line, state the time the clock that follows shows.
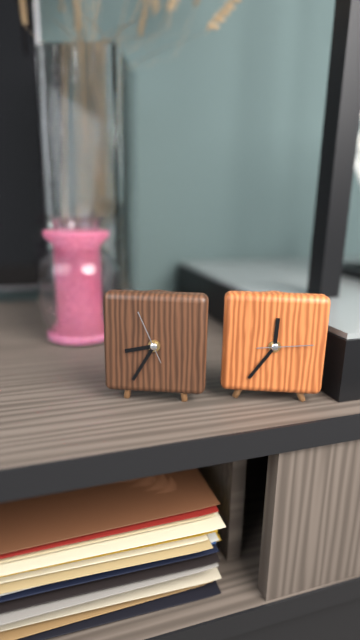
**8:35**
